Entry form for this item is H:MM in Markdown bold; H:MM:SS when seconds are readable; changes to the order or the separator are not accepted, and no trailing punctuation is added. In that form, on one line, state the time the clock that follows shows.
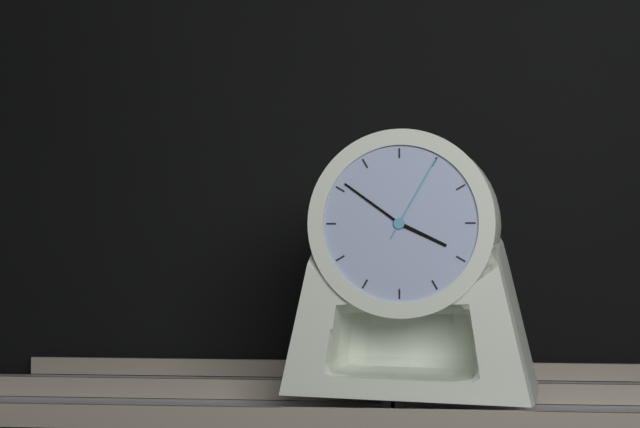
**3:51:05**
